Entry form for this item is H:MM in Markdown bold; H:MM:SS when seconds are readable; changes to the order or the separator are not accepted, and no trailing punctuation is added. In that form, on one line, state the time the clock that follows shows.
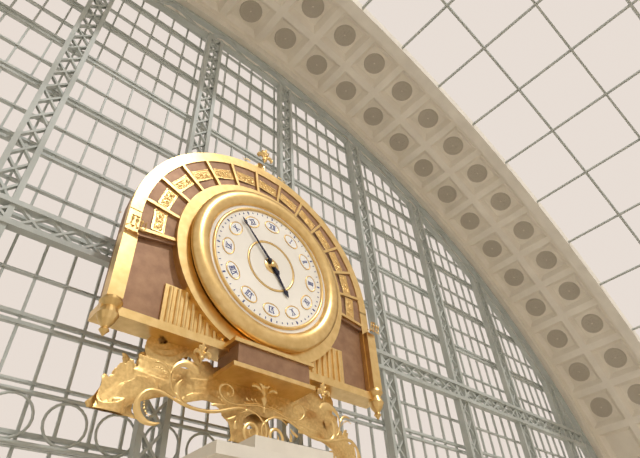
**4:53**
